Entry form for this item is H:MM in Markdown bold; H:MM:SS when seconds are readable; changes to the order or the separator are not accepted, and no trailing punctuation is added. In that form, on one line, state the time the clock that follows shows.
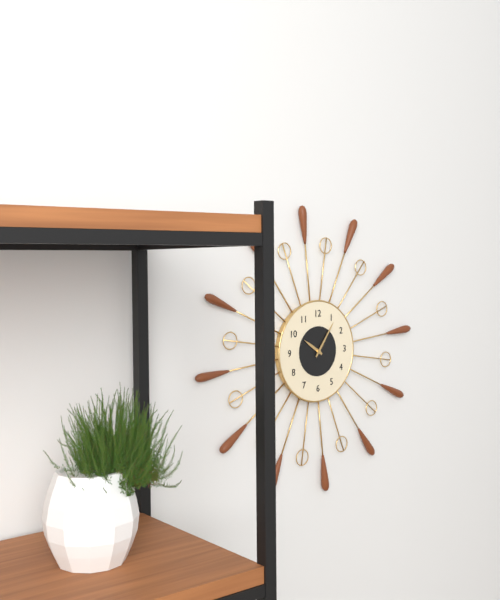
**10:06**
